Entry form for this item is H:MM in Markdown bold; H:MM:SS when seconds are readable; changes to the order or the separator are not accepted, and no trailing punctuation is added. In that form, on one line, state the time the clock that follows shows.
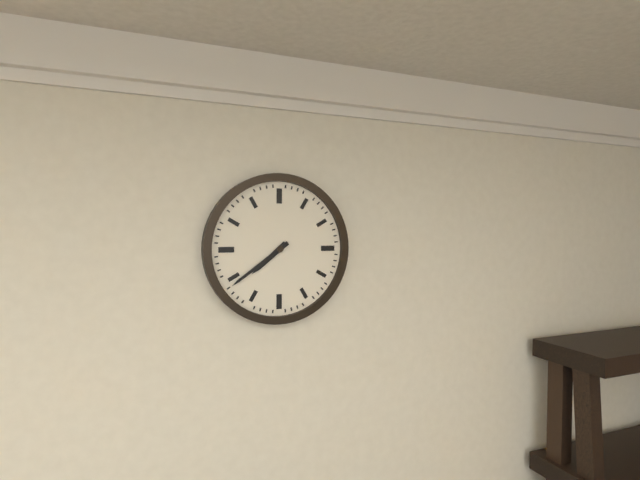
**7:39**
